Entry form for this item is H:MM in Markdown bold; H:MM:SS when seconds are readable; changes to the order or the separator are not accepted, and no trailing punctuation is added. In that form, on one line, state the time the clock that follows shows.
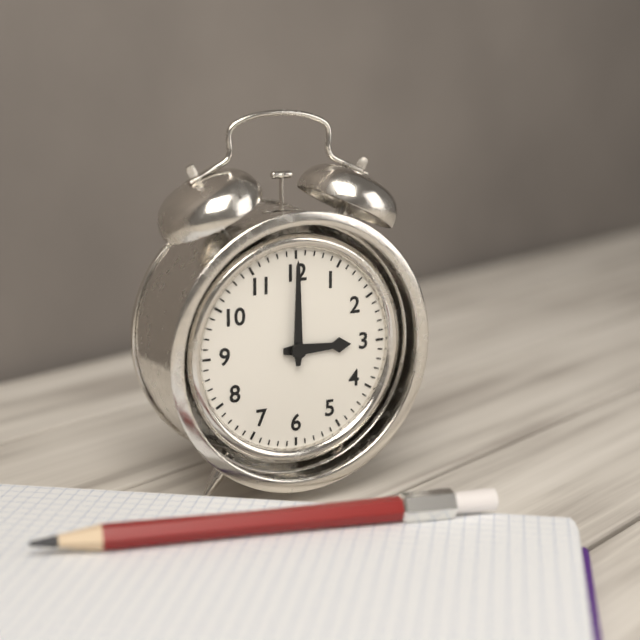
**3:00**
